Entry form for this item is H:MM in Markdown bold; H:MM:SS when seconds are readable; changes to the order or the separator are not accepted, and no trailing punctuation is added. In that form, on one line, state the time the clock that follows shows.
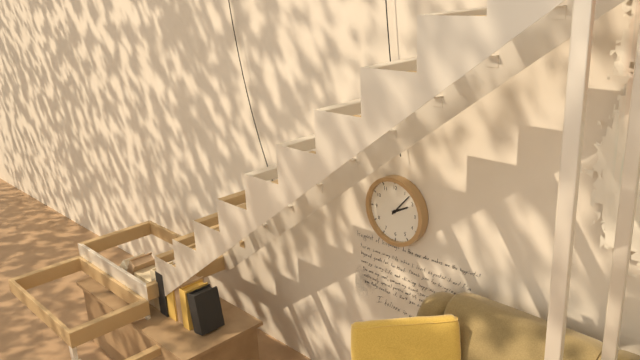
**2:07**
